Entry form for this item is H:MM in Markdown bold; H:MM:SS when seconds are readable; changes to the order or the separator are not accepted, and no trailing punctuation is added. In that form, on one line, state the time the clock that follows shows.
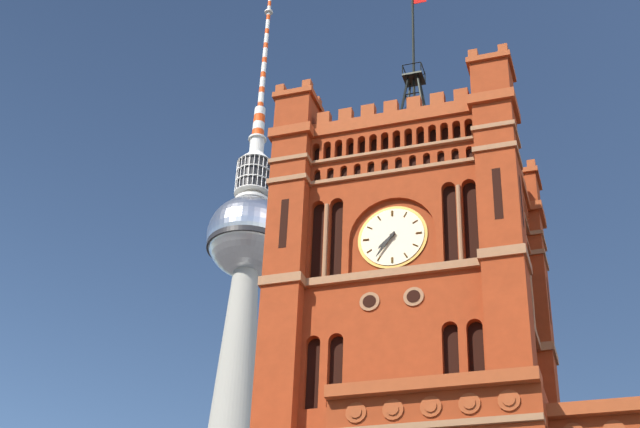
**7:36**
